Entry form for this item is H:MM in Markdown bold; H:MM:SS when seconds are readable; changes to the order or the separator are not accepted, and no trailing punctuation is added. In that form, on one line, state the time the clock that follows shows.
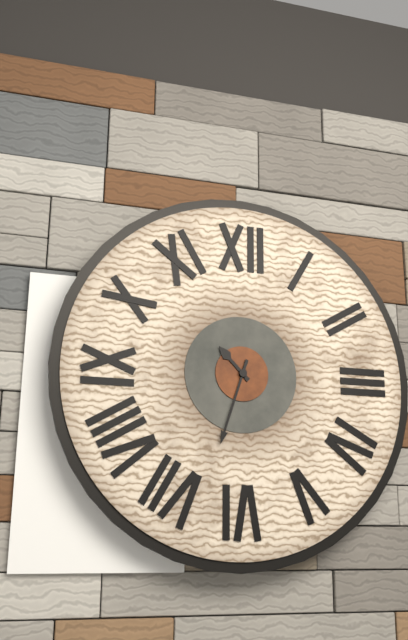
**10:33**
